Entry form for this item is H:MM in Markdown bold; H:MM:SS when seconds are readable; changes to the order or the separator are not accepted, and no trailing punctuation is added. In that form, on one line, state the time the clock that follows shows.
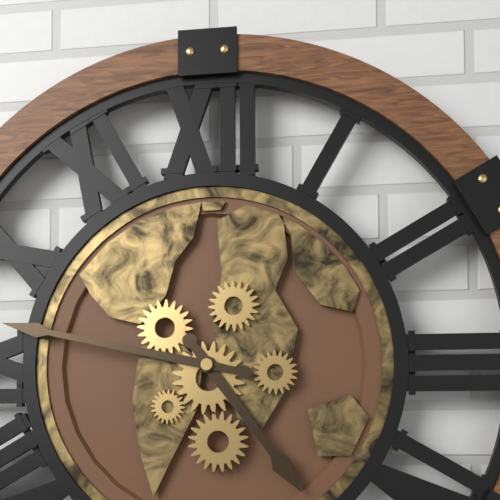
**4:47**
